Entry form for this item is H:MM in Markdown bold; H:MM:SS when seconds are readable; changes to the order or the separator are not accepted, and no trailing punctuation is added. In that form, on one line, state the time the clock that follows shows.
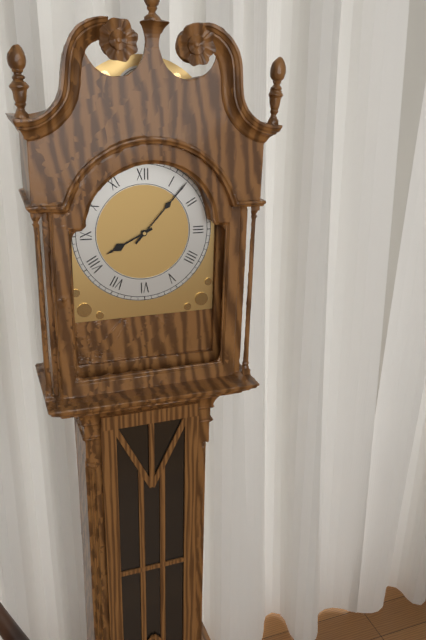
**8:07**
